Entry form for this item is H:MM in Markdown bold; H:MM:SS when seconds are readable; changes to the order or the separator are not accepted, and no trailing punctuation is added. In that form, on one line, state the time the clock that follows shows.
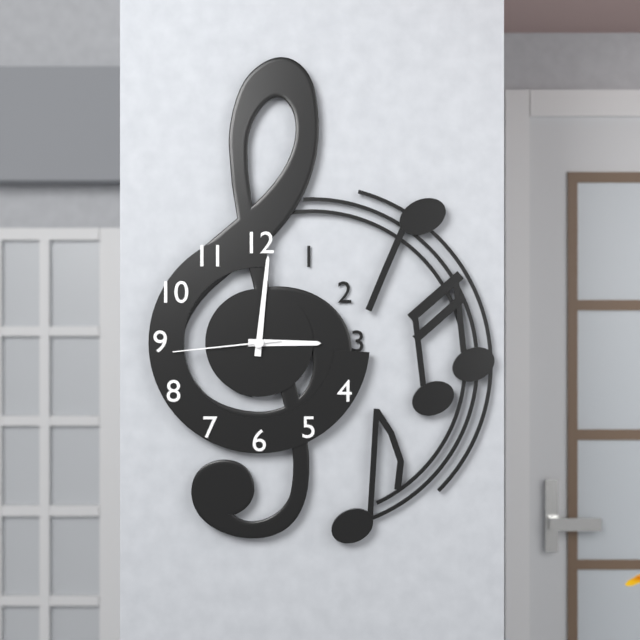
**3:01:44**
